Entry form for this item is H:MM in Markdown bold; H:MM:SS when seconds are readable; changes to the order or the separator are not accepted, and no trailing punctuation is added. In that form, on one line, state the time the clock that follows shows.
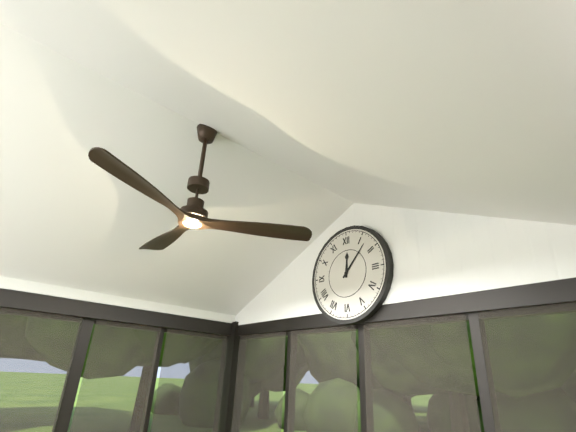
**12:07**
